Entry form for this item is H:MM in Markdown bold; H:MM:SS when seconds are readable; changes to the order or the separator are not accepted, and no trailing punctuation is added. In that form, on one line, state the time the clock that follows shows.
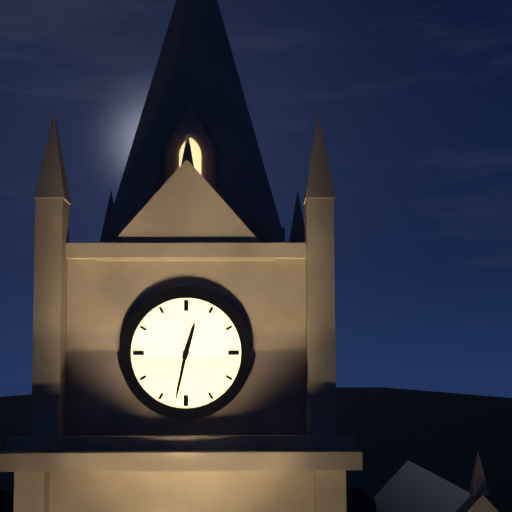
**12:32**
